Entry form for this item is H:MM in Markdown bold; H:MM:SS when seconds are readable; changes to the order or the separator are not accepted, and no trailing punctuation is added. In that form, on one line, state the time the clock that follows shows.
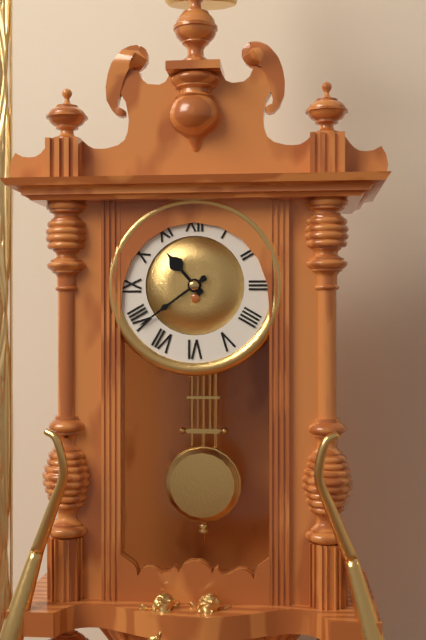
**10:39**
